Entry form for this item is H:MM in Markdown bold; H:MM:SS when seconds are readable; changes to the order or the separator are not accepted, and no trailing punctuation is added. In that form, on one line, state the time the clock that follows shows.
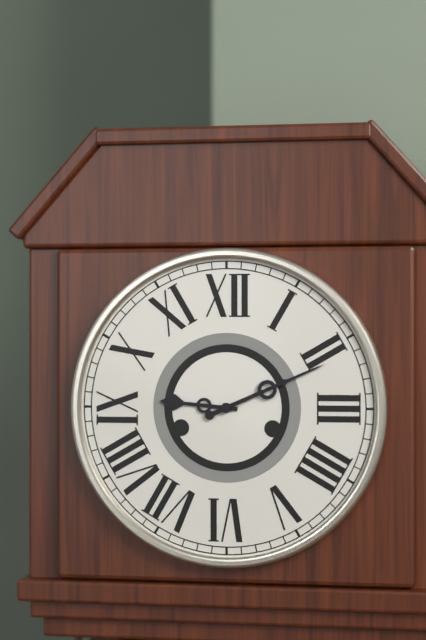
**9:11**
